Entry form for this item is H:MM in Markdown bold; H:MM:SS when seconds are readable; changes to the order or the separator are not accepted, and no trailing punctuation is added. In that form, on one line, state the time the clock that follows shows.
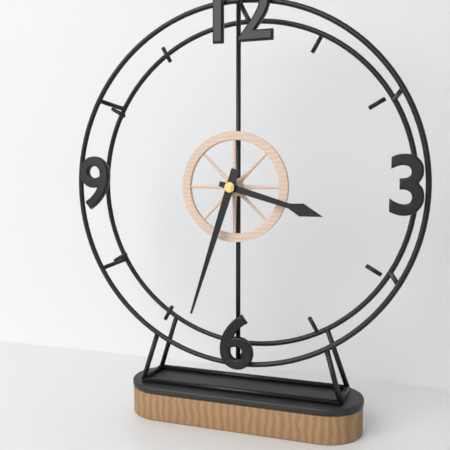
**3:33**
